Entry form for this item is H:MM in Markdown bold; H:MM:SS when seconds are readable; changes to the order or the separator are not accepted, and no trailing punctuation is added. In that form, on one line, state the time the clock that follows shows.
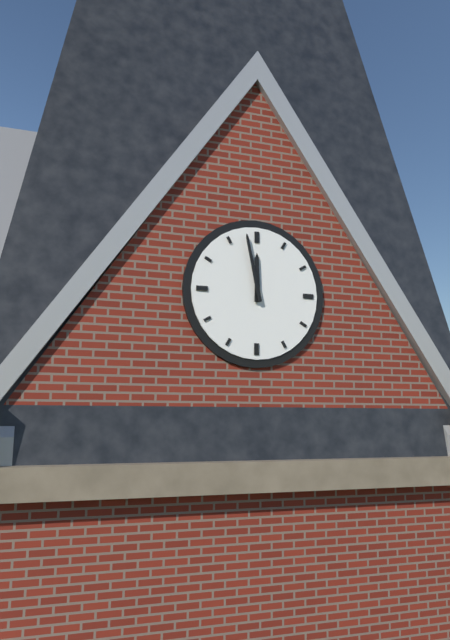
**11:58**
